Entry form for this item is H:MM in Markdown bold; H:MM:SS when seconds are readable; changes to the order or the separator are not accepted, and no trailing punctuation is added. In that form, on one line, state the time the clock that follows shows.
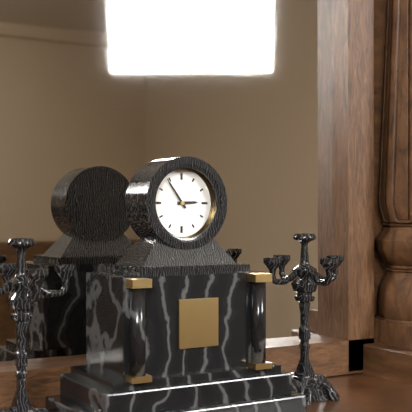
**2:54**
